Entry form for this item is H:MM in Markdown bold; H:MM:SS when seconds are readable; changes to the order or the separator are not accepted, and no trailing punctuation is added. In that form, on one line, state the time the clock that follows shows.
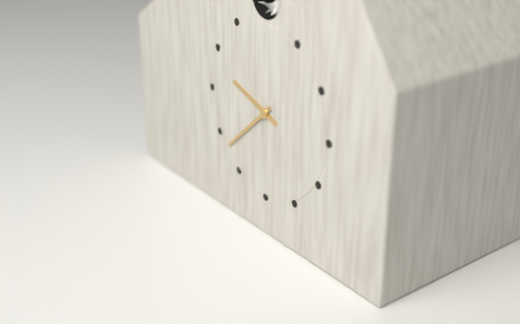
**9:38**
